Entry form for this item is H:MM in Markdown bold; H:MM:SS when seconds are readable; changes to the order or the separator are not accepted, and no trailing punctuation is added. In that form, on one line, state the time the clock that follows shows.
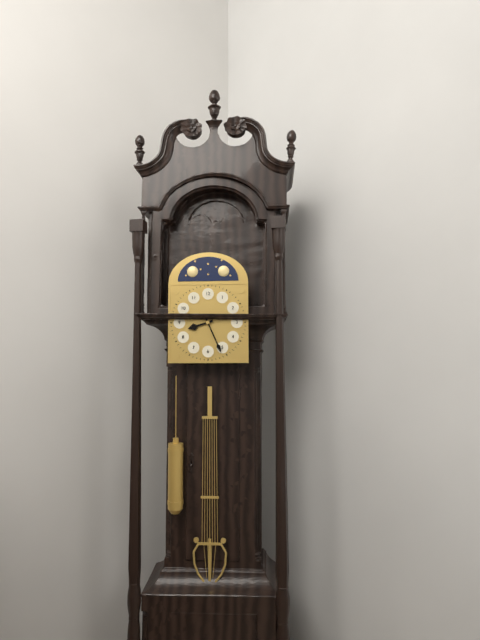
**8:26**
